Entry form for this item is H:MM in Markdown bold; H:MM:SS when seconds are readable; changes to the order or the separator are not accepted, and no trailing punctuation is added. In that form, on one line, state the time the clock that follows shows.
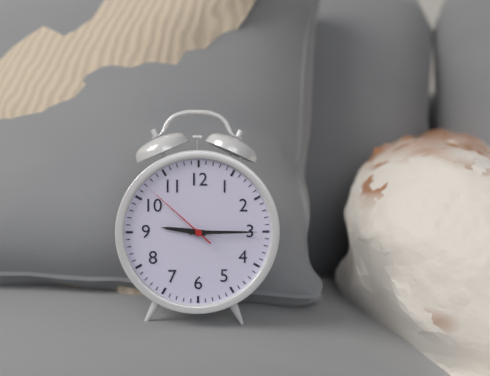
**9:15:52**
